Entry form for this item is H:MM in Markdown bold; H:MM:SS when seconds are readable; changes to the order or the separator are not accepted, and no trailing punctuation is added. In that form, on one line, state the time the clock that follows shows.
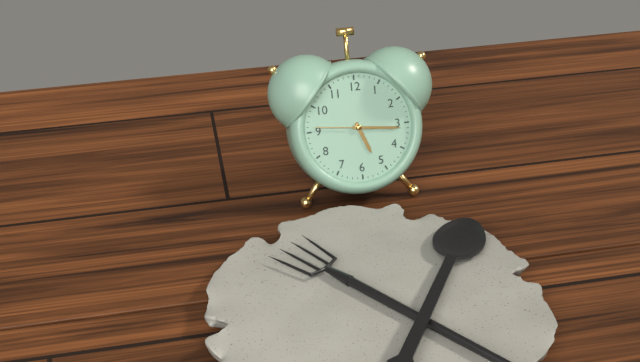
**5:16:46**
